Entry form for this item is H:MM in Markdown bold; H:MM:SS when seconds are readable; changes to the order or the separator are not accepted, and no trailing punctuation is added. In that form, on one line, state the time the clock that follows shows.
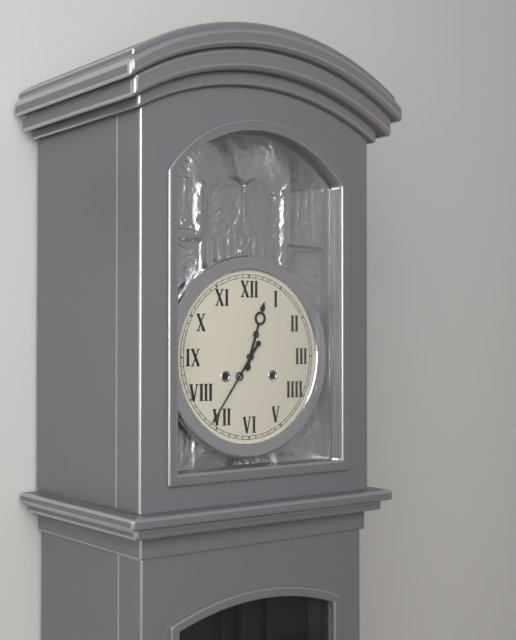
**12:36**
